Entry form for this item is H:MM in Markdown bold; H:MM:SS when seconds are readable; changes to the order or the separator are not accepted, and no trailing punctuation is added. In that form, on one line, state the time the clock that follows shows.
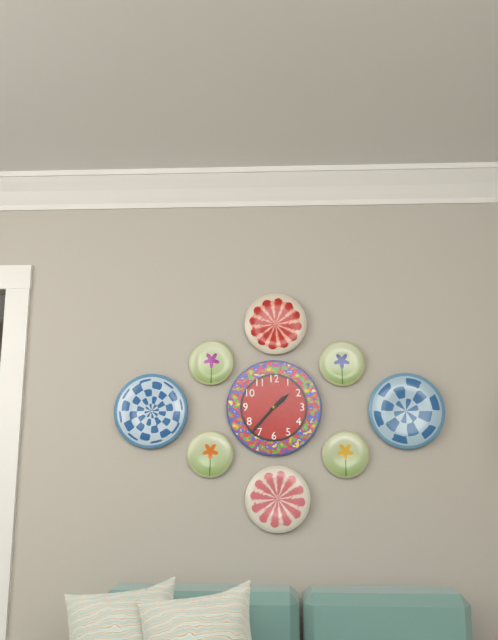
**1:37**
